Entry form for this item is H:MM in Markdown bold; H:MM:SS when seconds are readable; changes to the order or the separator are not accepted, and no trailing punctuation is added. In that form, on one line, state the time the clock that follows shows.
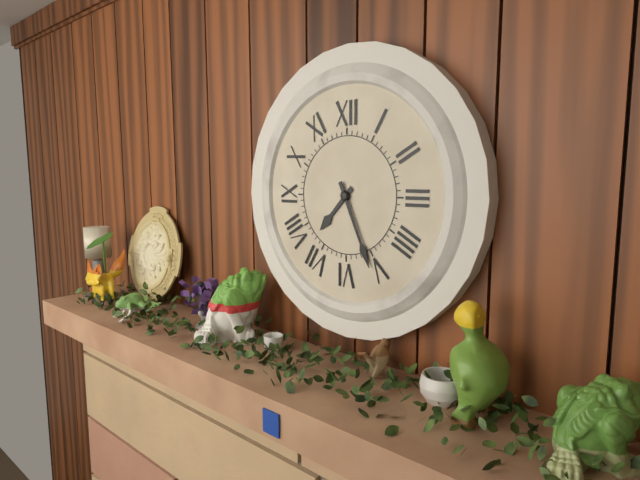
**7:26**
